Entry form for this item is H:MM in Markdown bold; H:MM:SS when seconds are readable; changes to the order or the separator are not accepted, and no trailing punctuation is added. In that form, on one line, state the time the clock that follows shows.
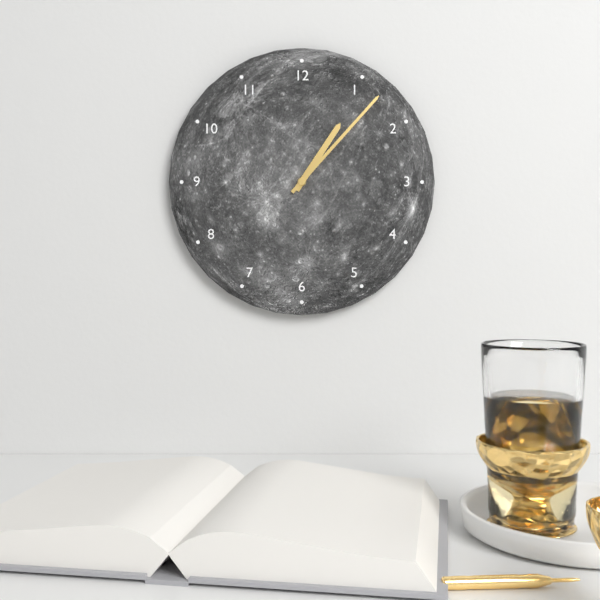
**1:07**
